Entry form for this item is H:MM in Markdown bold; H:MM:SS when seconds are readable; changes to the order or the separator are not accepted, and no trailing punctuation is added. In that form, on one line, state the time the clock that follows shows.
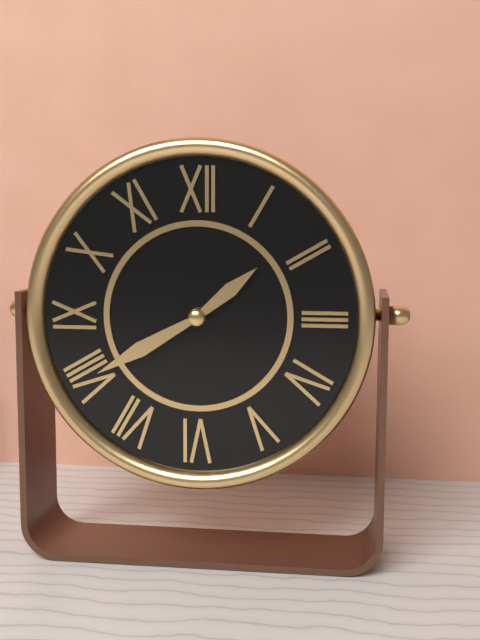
**1:40**
